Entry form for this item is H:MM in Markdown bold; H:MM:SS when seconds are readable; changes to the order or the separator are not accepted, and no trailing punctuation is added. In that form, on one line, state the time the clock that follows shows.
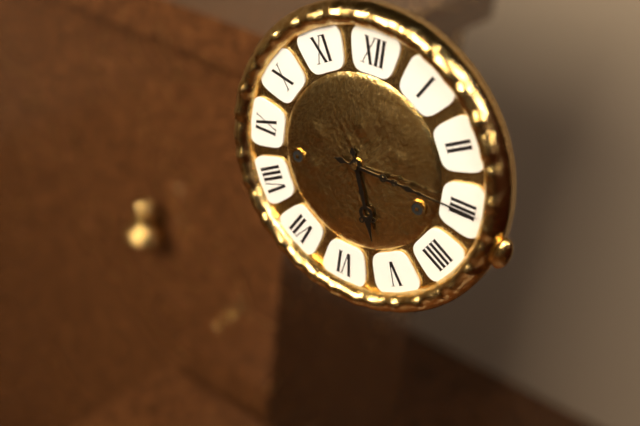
**5:15**
